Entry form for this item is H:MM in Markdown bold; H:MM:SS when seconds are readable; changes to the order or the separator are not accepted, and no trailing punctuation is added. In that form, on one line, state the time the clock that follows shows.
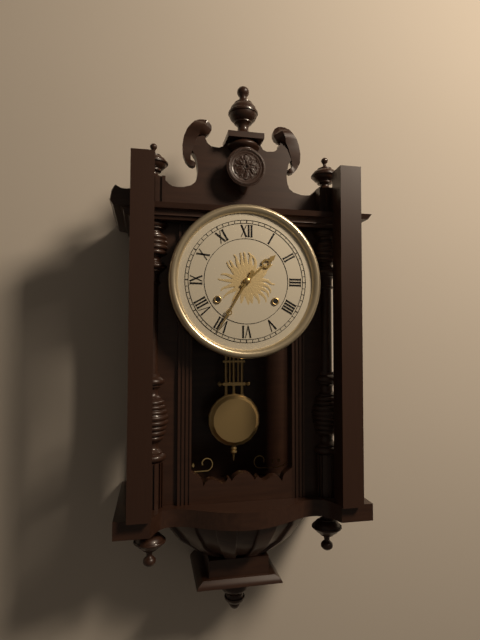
**1:35**
